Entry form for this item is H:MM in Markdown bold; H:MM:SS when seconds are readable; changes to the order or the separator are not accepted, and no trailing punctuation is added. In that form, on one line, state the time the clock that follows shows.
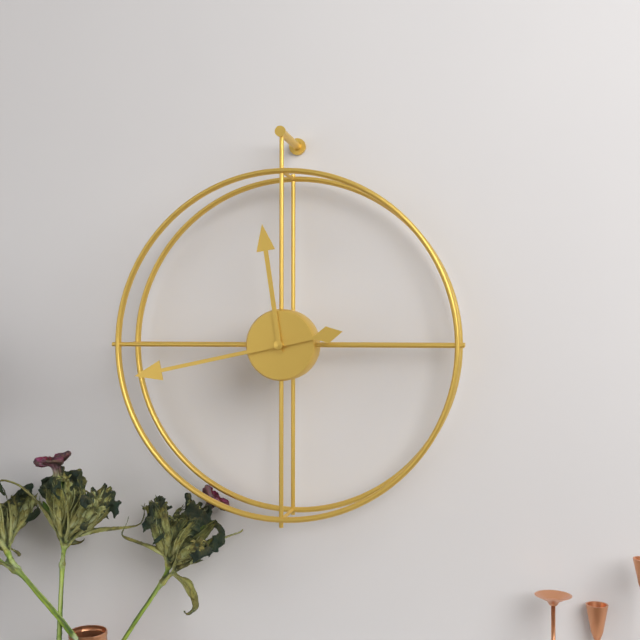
**11:43**
